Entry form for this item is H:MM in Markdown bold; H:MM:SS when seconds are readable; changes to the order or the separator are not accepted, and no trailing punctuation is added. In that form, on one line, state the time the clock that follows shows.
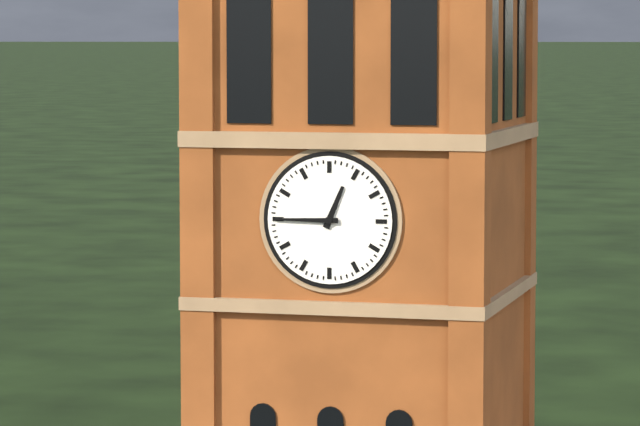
**12:45**
